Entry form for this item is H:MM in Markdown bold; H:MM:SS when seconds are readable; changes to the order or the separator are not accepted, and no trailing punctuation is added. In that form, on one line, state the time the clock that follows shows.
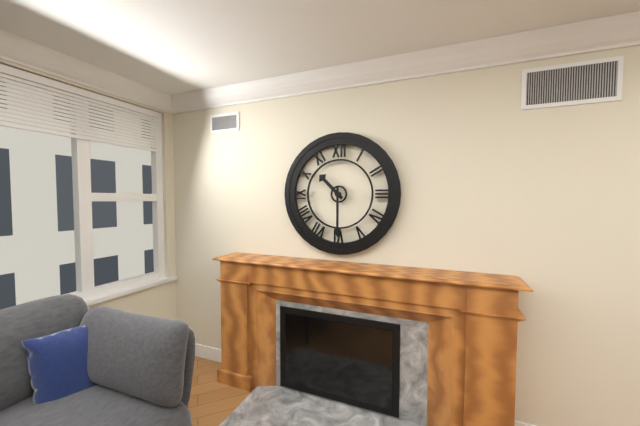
**10:30**
